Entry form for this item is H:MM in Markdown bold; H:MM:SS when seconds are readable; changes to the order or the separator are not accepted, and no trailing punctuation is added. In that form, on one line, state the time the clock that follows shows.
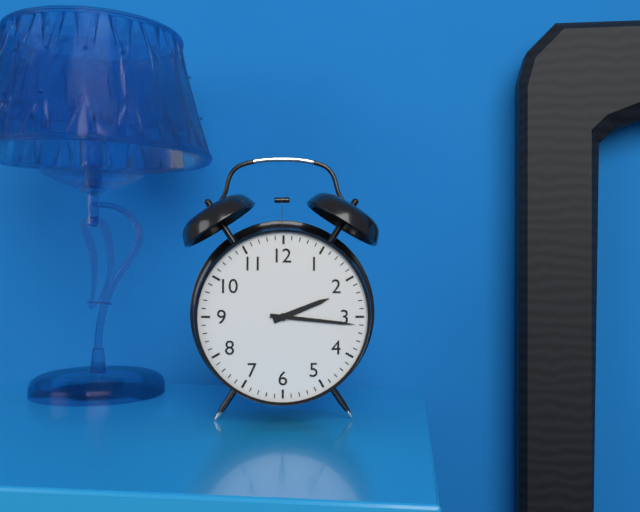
**2:16**
